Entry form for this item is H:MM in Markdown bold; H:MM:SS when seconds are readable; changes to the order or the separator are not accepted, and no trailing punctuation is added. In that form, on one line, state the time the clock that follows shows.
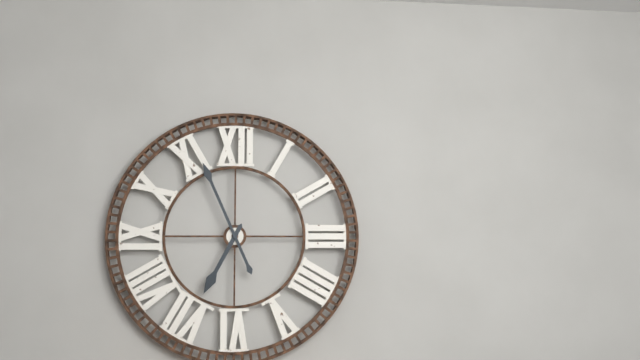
**6:56**
